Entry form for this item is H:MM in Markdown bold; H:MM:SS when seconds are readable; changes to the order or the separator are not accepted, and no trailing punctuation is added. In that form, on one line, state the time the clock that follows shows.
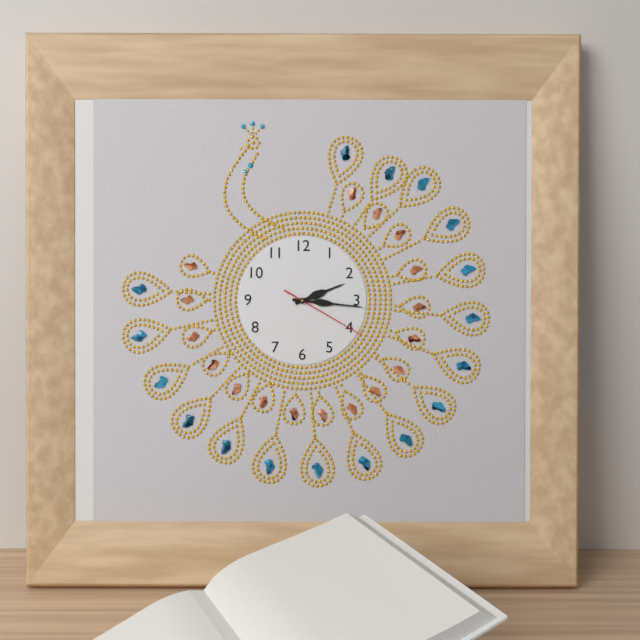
**2:16:20**
